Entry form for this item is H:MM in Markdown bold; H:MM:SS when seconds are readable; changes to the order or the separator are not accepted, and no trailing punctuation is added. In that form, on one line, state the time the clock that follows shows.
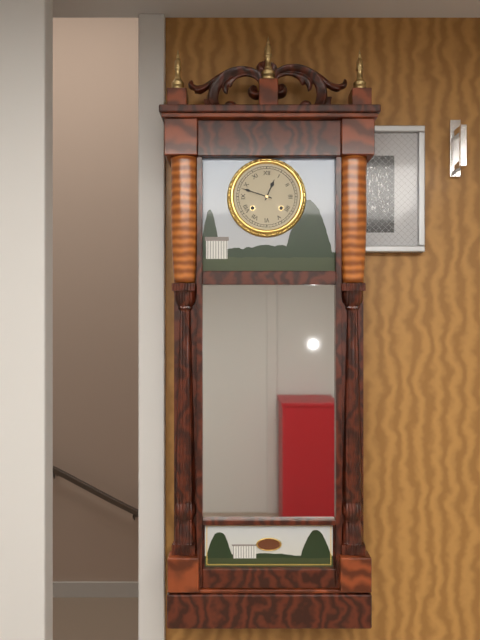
**12:48**
